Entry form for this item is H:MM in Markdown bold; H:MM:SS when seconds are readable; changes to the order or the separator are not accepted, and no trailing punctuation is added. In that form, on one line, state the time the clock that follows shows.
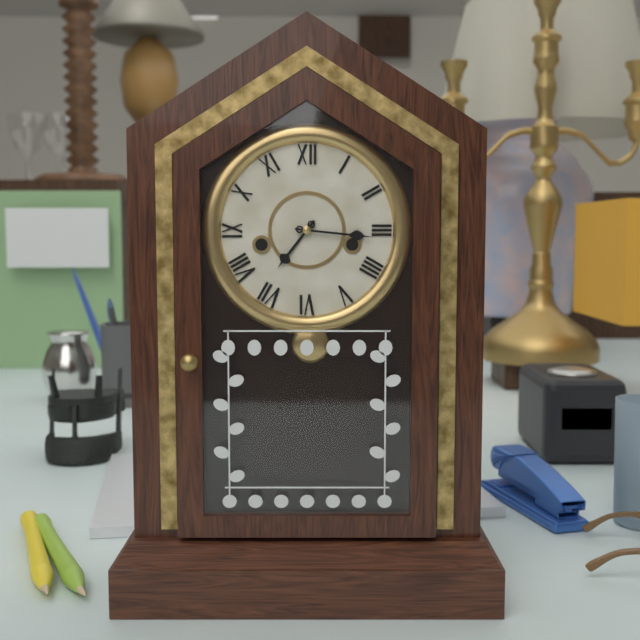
**7:16**
